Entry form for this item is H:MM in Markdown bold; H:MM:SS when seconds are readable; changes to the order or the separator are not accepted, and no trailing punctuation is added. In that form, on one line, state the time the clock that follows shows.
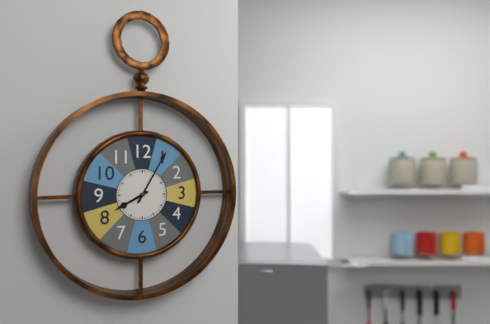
**8:05**
